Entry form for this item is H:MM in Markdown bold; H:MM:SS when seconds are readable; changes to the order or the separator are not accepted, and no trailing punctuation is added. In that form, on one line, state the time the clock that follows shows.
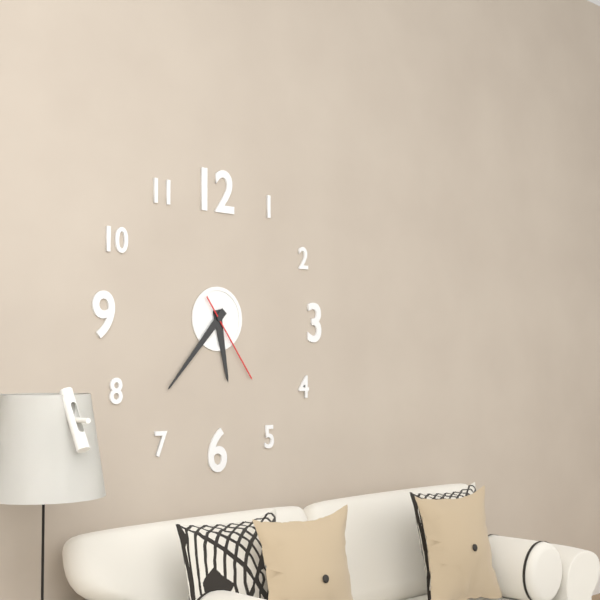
**5:37:24**
